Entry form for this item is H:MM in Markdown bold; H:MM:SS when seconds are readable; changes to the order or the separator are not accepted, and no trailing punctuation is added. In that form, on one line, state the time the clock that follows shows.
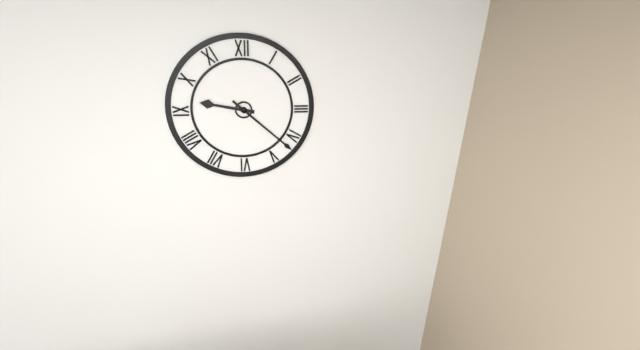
**9:22**
